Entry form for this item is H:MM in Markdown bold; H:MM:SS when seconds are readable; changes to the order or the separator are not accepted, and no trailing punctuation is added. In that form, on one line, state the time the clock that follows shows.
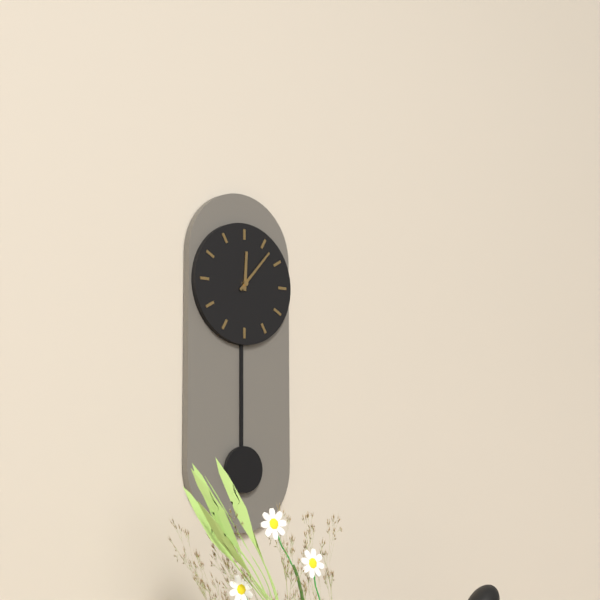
**12:07**
